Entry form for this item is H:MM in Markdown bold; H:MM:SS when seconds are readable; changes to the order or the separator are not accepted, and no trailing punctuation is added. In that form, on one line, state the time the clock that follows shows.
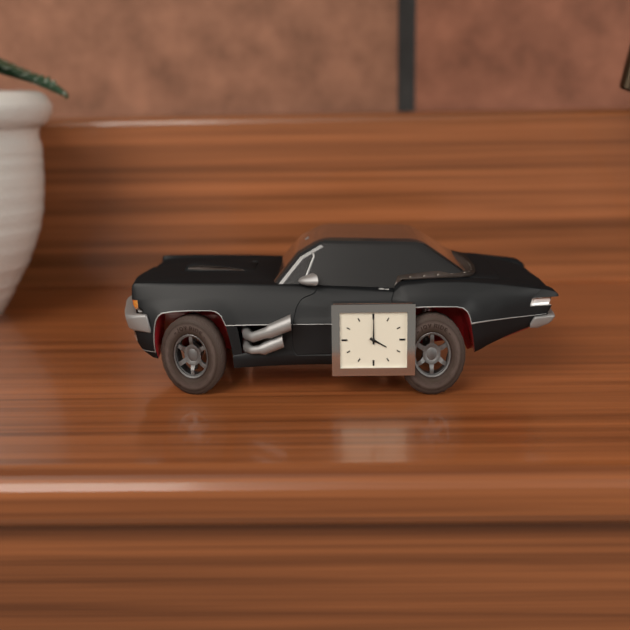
**4:00**
